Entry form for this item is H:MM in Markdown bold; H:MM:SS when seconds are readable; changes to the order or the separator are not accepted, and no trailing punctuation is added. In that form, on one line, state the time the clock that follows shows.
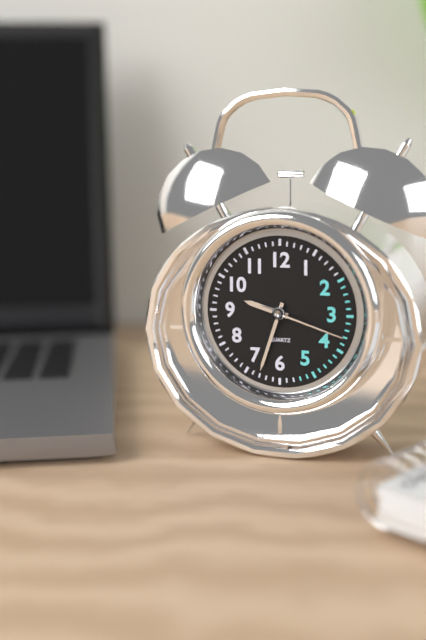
**9:33:18**
